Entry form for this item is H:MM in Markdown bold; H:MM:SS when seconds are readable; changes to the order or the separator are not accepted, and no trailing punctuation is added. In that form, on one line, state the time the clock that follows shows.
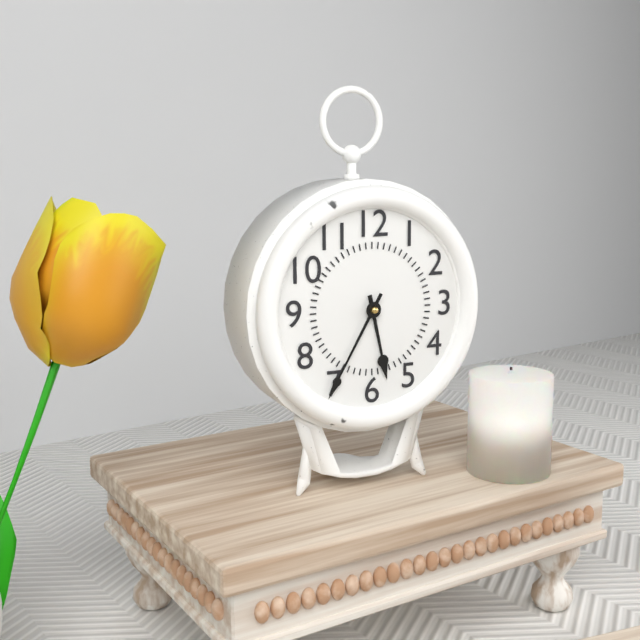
**5:35**
